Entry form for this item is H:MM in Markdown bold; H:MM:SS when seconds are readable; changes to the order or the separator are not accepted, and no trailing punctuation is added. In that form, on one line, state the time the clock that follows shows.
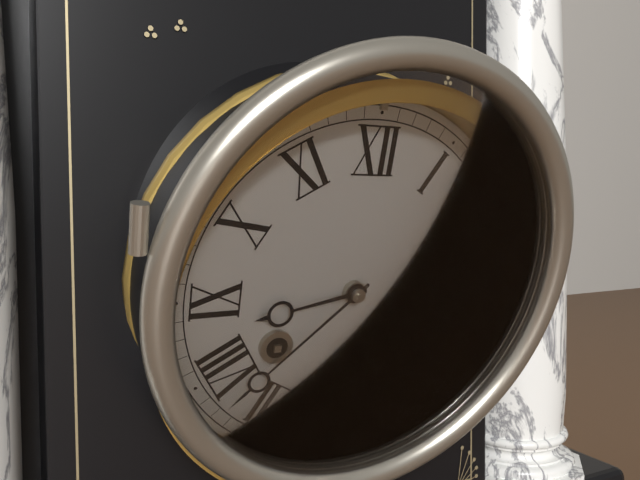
**8:38**
